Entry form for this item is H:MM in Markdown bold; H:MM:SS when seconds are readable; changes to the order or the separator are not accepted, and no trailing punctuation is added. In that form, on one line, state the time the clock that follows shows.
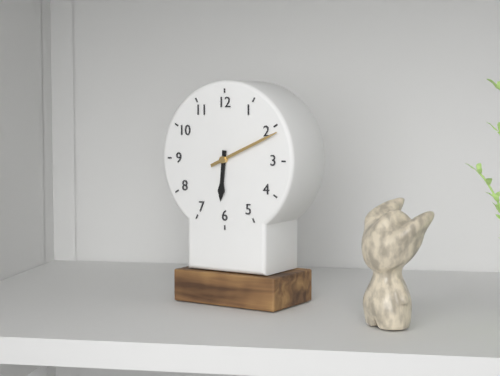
**6:11**
